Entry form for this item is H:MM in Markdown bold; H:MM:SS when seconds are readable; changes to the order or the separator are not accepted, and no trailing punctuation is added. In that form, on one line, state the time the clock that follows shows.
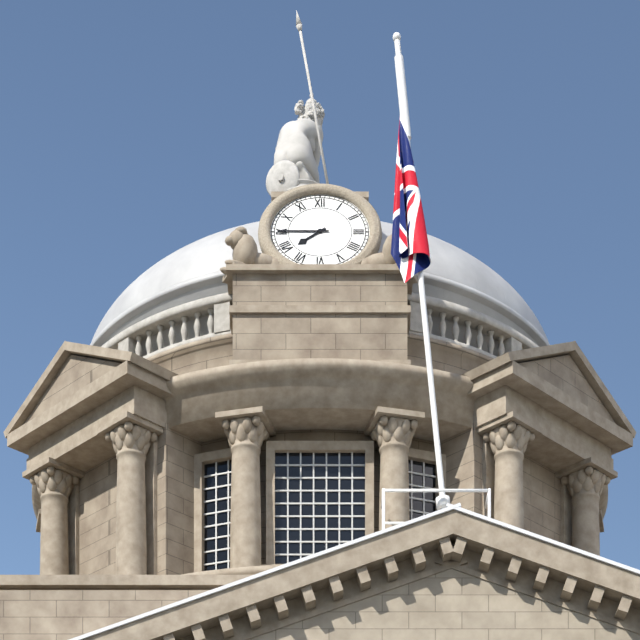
**7:45**
